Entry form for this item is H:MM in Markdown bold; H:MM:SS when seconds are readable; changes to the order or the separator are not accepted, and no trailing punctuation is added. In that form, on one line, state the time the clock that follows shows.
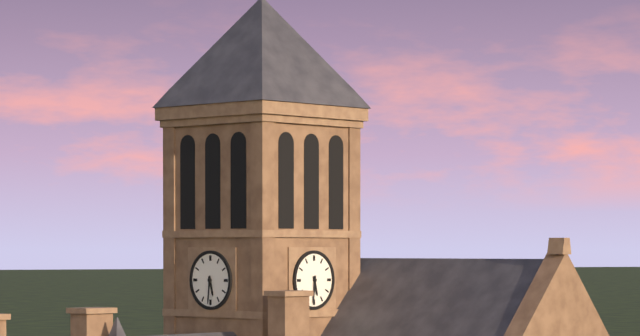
**5:31**
